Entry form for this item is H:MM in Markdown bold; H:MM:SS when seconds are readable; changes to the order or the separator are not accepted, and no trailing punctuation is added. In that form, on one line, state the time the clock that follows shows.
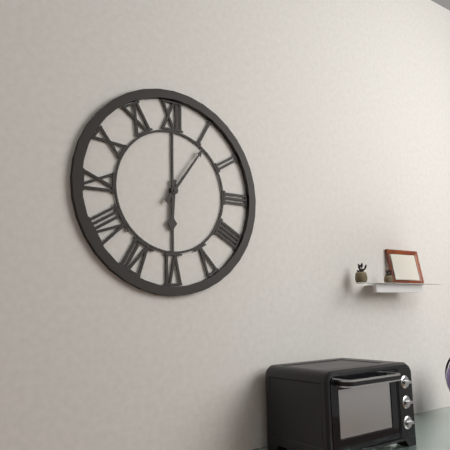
**6:06**
